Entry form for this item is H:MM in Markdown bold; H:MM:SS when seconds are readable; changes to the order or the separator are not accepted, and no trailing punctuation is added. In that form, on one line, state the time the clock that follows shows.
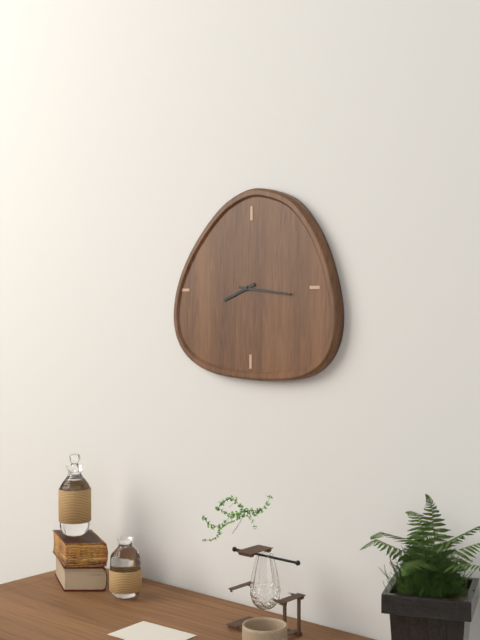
**8:16**
